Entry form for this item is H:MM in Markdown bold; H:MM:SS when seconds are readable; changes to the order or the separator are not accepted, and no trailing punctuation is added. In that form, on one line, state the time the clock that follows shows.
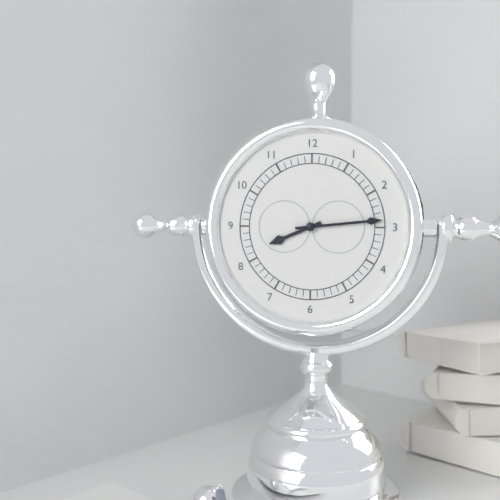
**8:14**
